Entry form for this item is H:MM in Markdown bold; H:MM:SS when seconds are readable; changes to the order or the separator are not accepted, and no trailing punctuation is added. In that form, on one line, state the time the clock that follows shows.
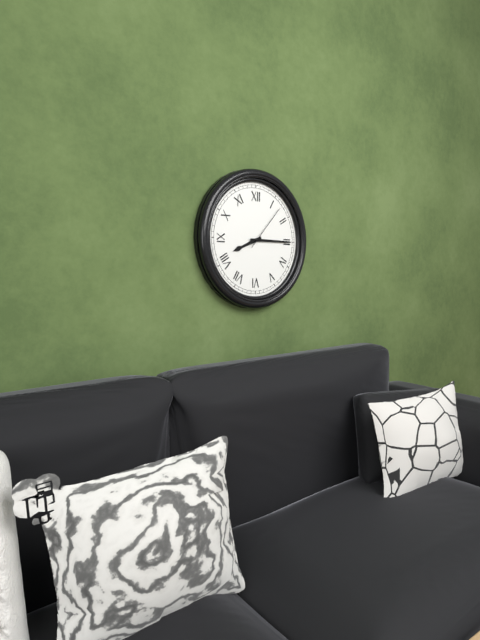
**8:15**
